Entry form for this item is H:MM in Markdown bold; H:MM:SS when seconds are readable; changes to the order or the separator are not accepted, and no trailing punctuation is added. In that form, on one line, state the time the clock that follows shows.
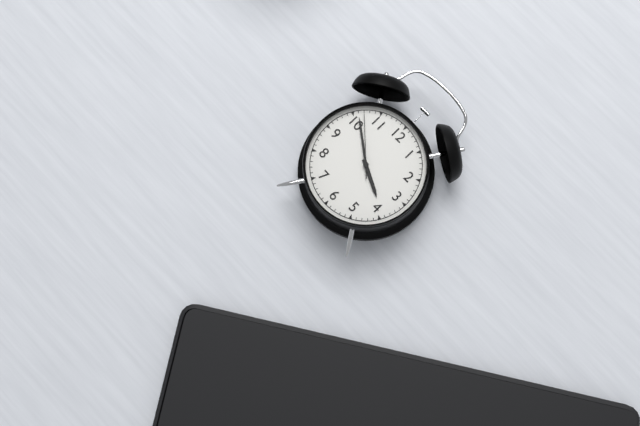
**3:51:52**
